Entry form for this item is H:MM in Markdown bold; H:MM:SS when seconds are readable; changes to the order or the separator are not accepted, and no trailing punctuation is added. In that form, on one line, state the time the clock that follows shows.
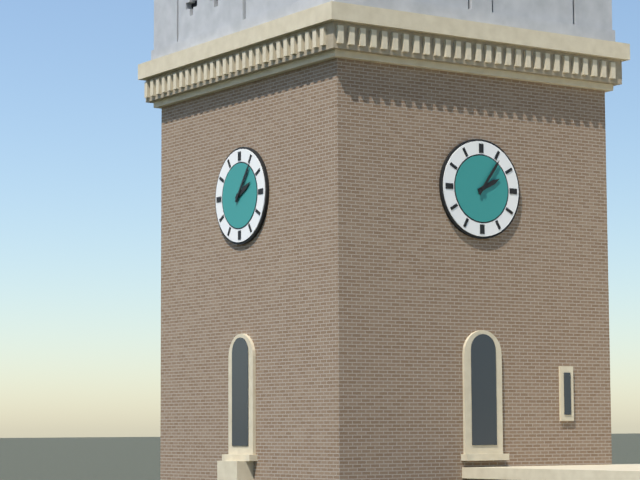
**2:06**
